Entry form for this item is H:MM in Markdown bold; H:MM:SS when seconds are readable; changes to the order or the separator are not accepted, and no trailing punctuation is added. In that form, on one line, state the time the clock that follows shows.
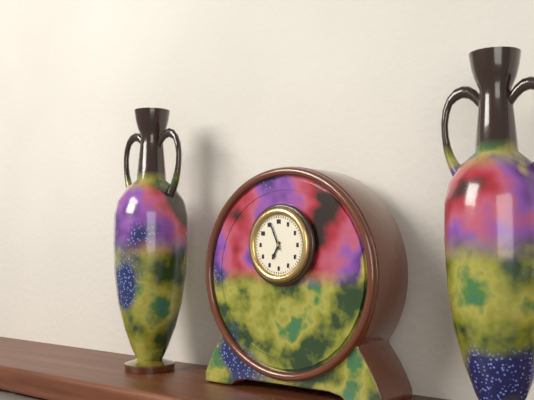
**6:56**
